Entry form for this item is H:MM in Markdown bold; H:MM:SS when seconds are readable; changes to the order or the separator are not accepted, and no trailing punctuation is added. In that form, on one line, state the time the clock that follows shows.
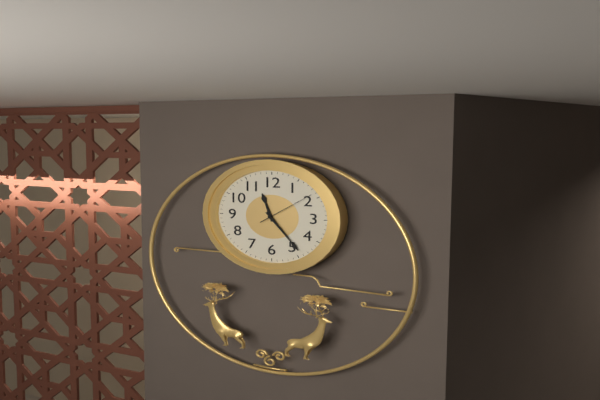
**11:24:09**
